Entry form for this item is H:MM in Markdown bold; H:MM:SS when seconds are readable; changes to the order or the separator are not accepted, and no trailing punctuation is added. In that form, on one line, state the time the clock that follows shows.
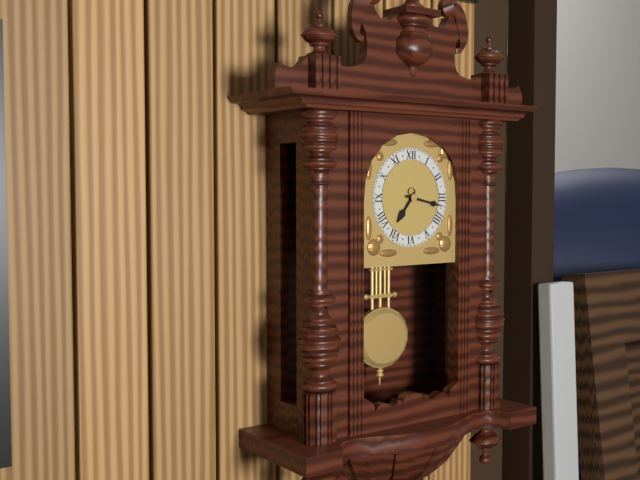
**7:17**
